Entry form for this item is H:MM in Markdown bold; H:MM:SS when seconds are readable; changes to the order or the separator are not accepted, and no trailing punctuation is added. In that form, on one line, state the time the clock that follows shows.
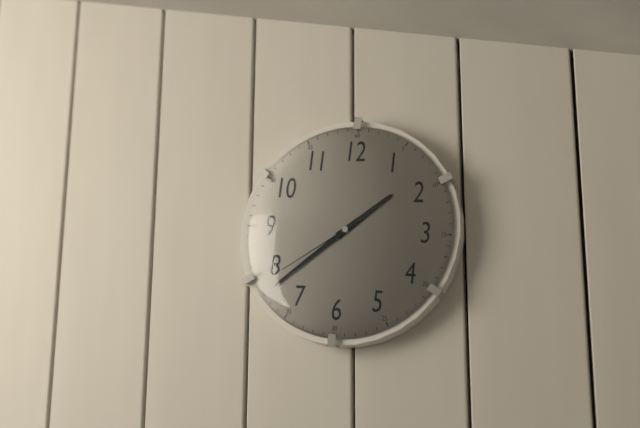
**1:38:39**
